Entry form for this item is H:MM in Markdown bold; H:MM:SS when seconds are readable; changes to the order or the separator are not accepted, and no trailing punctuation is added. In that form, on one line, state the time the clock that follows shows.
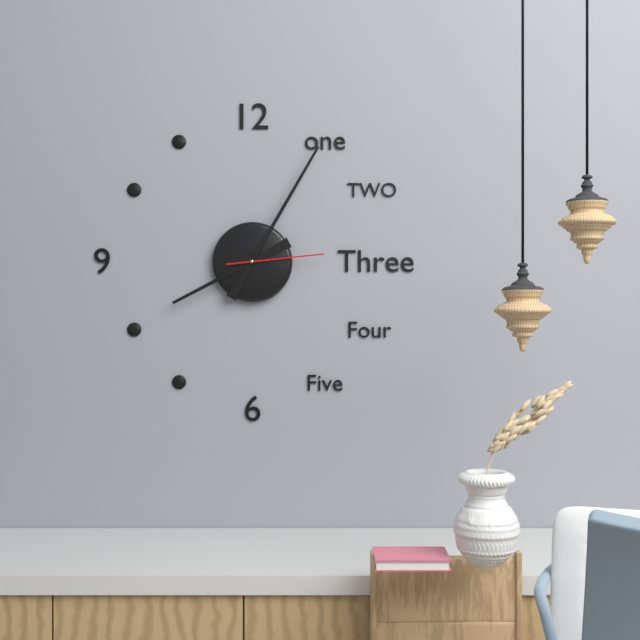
**8:05:14**
